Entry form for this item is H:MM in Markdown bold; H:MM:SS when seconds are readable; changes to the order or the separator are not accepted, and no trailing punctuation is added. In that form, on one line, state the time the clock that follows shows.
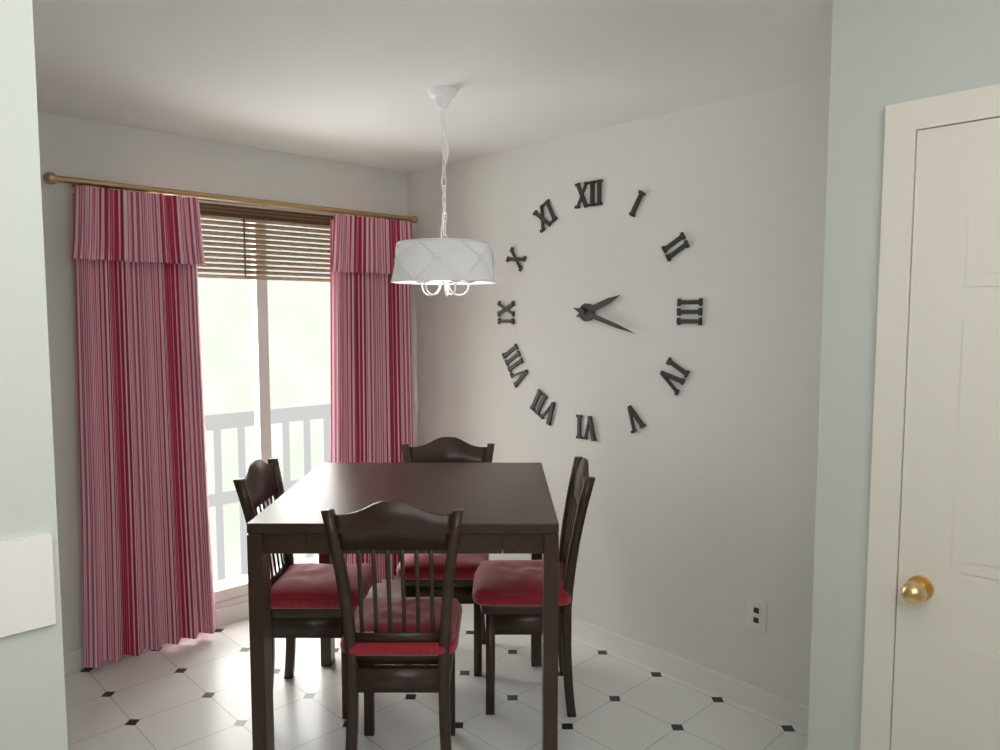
**2:18**
